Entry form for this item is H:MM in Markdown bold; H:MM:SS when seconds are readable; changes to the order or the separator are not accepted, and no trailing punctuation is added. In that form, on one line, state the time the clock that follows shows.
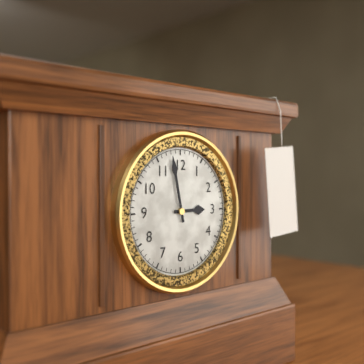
**2:58**
